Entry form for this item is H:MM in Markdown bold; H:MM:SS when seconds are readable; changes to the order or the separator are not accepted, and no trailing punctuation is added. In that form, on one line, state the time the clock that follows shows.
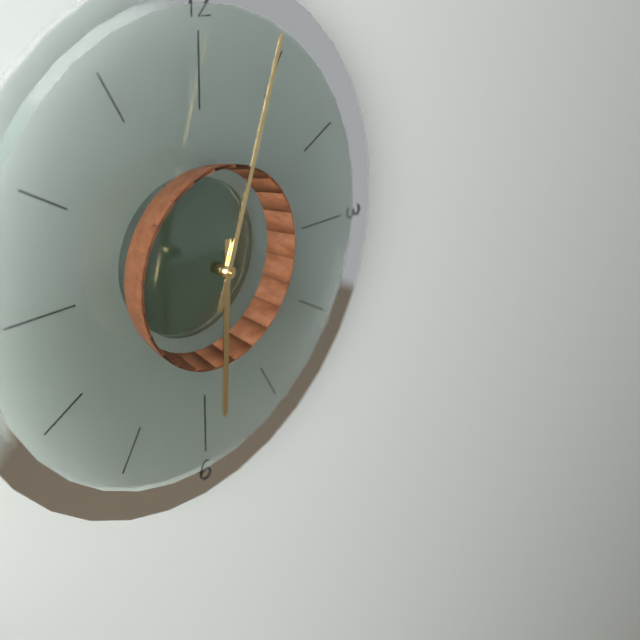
**6:03**
